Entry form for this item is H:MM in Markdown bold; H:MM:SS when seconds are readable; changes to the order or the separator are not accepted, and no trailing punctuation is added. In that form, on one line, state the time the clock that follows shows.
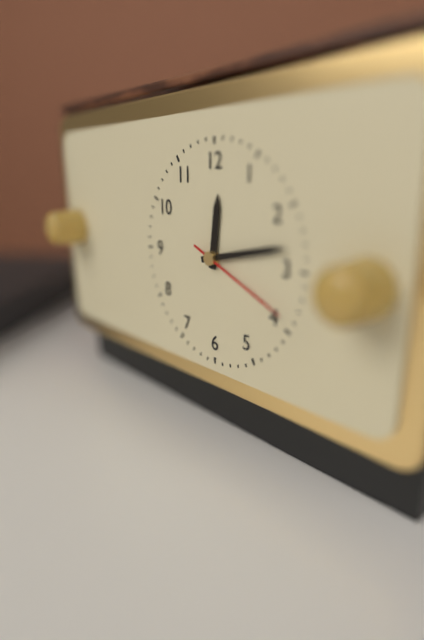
**12:13:19**
